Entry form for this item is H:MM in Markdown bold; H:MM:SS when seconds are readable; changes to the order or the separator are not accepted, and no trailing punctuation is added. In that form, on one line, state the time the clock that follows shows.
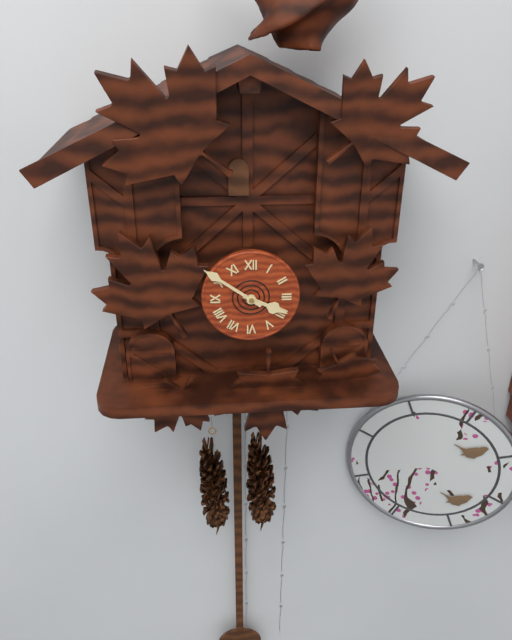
**3:51**
